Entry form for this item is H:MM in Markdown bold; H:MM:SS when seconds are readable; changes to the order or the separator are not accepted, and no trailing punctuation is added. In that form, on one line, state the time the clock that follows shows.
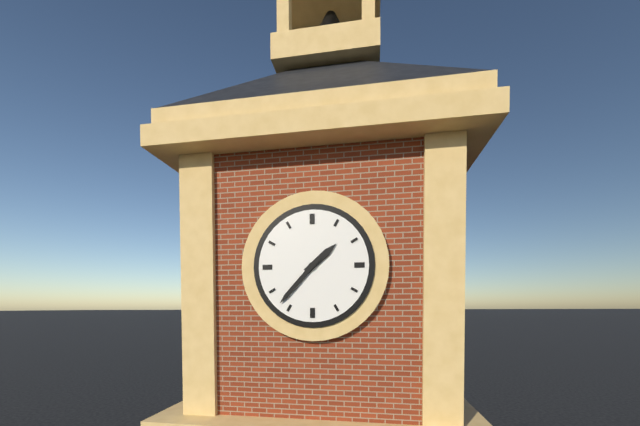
**1:37**
